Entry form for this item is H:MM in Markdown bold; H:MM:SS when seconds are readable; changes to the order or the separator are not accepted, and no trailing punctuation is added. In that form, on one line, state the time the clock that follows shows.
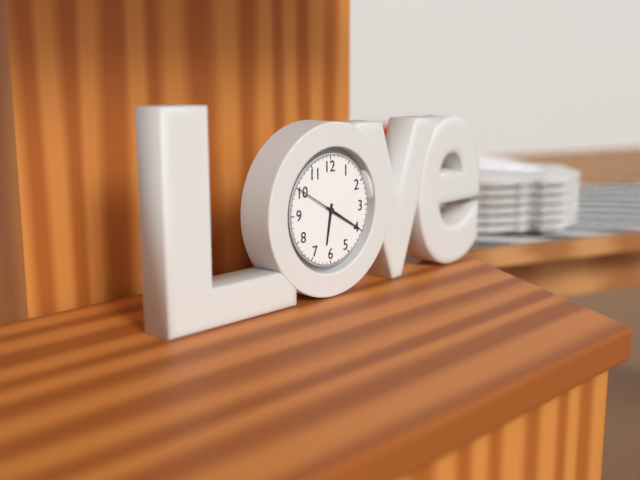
**6:20**
